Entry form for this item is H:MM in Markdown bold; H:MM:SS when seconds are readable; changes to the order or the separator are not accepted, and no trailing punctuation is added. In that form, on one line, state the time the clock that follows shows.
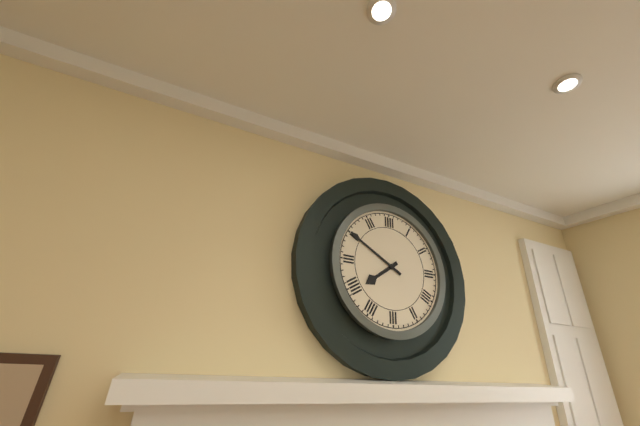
**7:50**
